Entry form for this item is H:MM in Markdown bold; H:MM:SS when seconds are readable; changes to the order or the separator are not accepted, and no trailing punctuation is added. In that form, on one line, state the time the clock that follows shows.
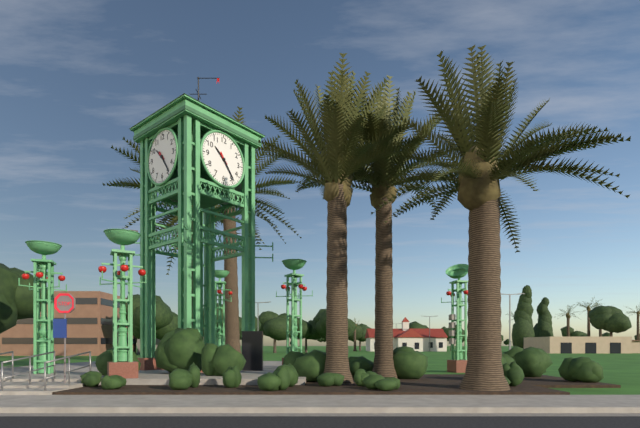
**10:24**
